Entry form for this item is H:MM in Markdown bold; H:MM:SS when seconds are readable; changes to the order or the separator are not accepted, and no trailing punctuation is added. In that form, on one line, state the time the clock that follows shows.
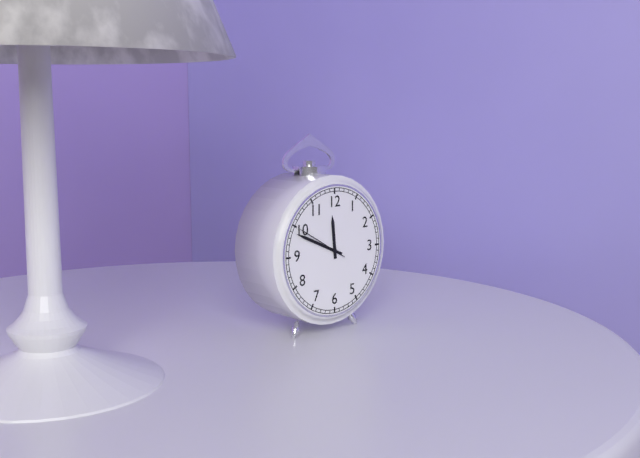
**11:49:50**
